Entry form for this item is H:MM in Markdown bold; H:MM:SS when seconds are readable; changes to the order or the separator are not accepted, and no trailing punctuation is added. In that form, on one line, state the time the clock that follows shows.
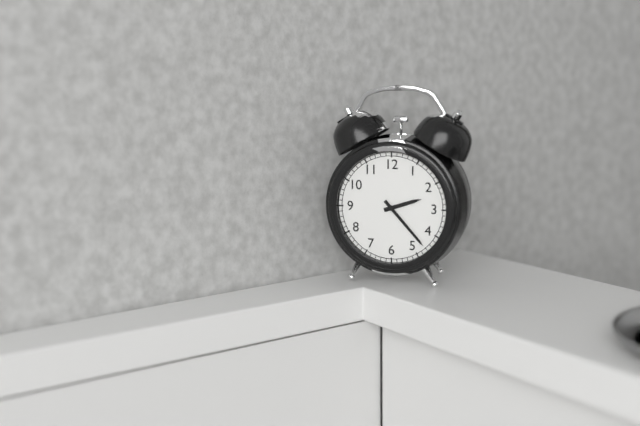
**2:23**
